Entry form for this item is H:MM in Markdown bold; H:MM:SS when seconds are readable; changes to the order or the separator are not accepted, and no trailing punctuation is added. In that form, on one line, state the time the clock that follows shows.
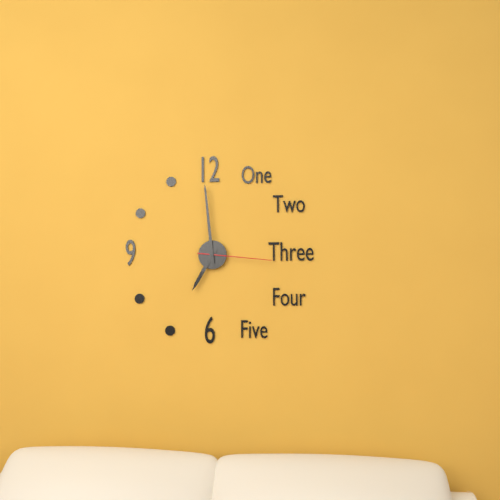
**6:59:16**
